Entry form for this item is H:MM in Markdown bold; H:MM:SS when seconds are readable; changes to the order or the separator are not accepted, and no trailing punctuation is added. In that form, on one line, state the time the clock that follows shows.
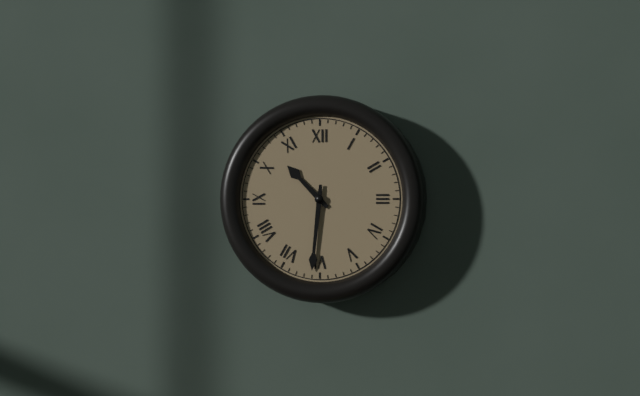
**10:31**
